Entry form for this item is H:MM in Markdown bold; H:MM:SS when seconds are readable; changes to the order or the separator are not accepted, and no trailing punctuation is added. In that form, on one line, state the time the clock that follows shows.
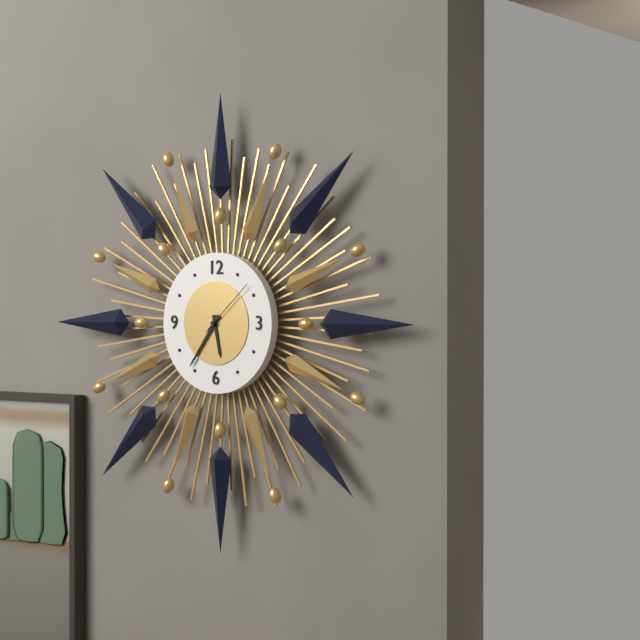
**5:36:08**
